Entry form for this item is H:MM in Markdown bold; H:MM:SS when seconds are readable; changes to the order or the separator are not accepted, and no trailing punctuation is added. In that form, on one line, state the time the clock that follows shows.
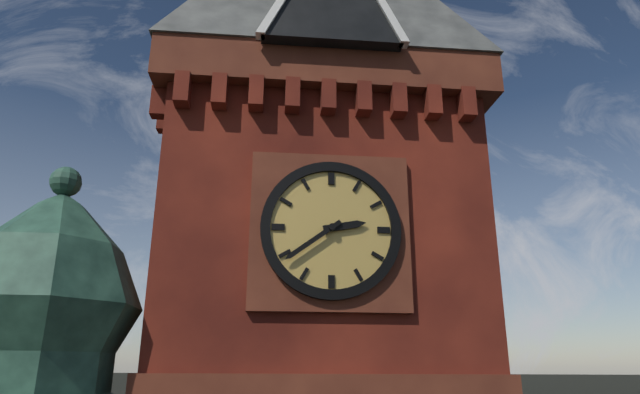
**2:39**
